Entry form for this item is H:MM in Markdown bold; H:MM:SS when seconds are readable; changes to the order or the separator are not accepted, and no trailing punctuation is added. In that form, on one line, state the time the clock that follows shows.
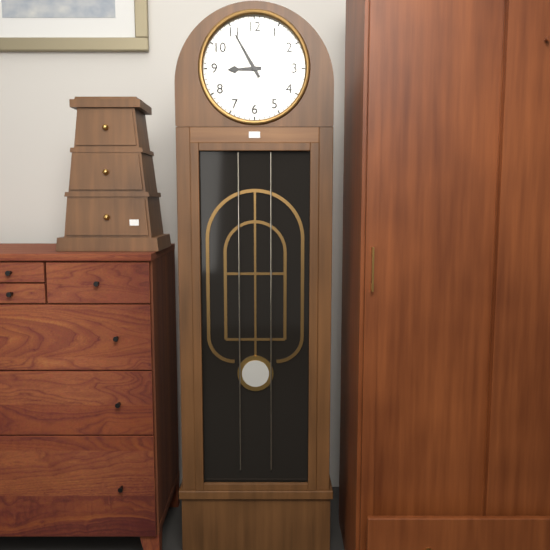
**8:55**
